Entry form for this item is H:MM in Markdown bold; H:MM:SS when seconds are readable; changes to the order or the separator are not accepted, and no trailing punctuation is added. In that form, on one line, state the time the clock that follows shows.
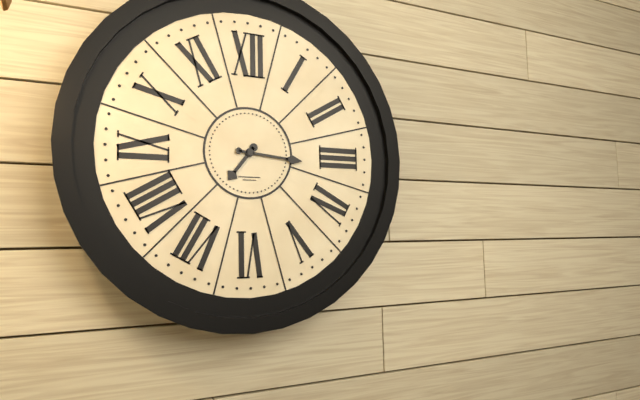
**7:16**
